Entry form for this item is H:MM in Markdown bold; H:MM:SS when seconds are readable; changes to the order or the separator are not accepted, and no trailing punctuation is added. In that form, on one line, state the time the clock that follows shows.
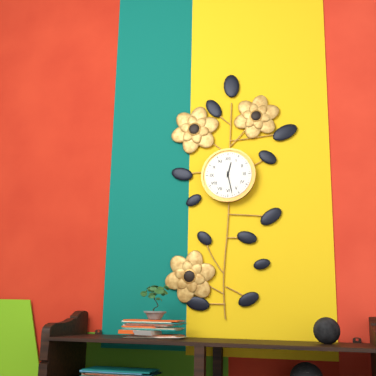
**12:28**
